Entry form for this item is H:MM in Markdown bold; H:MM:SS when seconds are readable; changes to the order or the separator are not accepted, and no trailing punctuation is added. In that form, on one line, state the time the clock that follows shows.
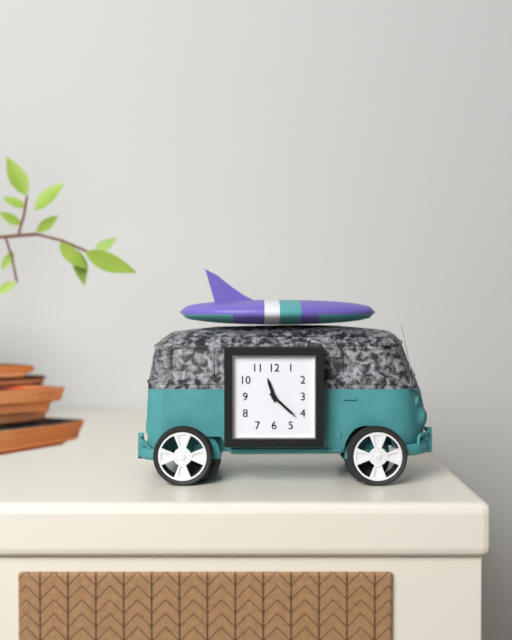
**11:22**
